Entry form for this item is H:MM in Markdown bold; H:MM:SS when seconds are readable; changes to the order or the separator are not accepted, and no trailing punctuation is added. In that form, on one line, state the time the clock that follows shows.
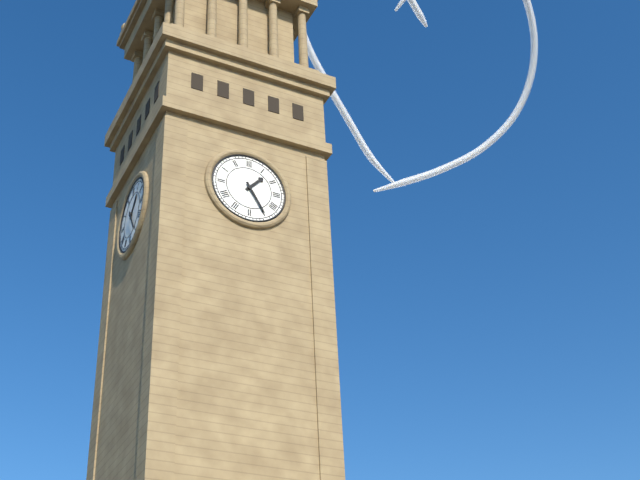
**1:25**
